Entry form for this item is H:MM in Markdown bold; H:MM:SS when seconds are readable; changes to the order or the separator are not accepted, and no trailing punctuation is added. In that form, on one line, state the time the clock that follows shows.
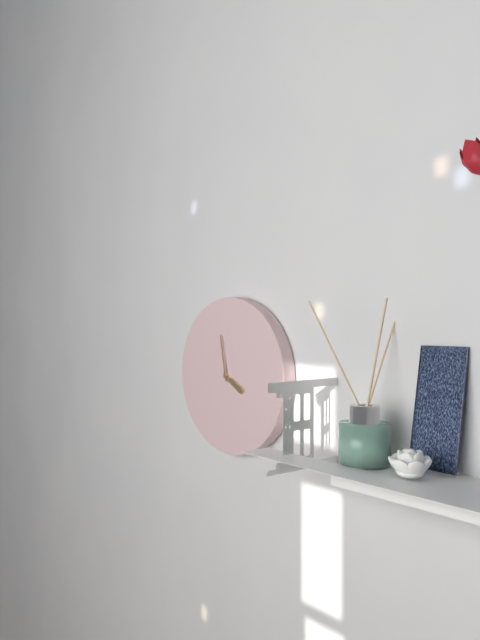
**3:58**
